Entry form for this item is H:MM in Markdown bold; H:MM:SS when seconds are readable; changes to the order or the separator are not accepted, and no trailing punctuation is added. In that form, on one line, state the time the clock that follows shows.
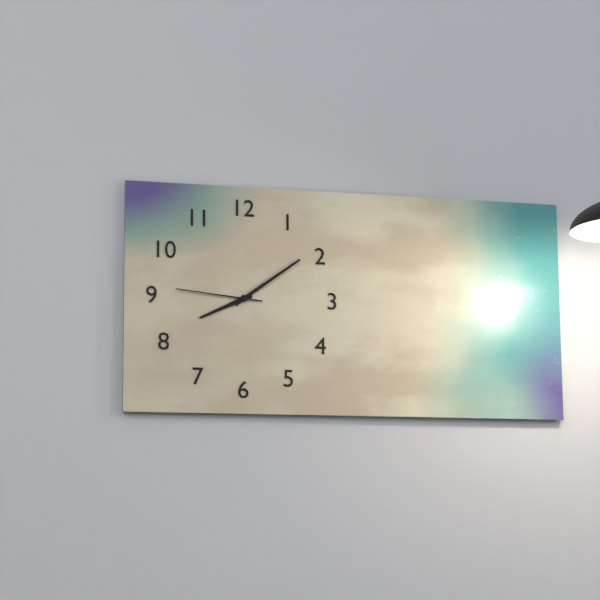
**8:09:46**
